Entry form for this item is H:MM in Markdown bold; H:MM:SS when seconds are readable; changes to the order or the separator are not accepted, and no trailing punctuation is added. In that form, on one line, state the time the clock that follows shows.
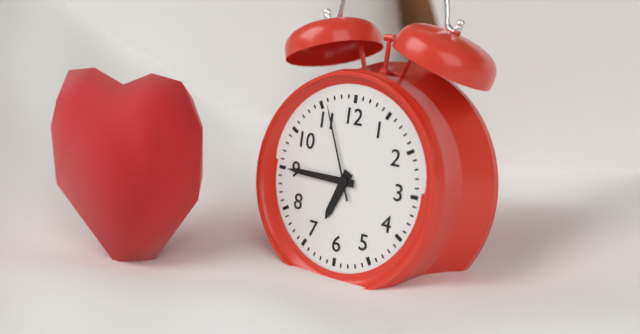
**6:45:56**
